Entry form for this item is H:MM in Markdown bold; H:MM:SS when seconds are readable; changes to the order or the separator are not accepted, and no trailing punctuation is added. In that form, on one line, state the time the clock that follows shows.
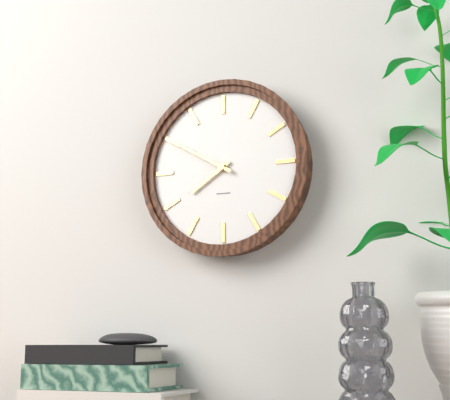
**7:50**
